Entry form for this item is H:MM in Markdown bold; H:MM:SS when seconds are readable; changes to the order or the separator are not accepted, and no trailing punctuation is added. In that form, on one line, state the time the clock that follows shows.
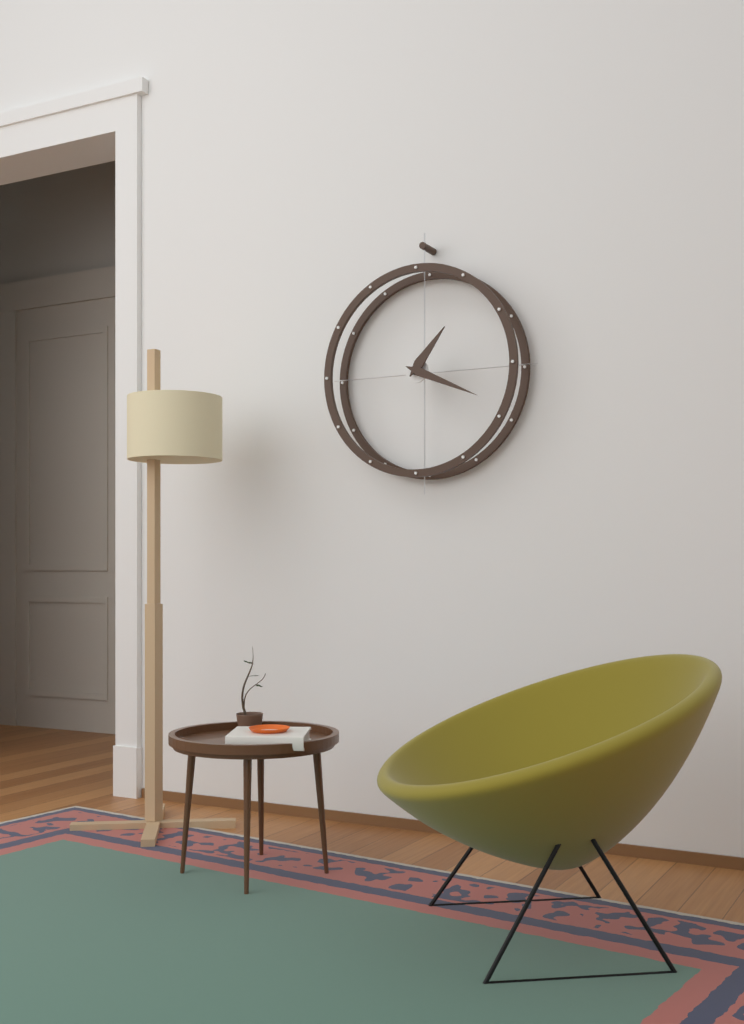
**1:19**
